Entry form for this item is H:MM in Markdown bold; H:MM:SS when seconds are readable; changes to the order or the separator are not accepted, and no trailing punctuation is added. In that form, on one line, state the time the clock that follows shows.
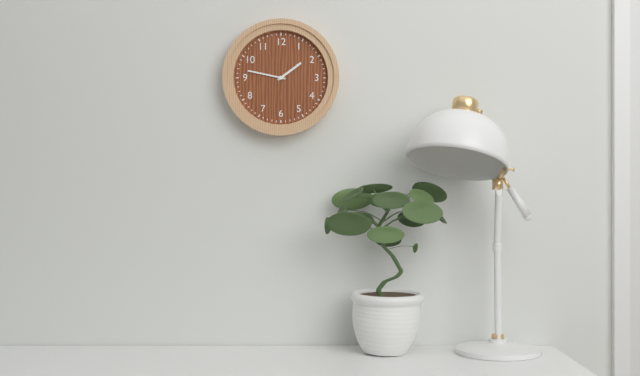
**1:47**
